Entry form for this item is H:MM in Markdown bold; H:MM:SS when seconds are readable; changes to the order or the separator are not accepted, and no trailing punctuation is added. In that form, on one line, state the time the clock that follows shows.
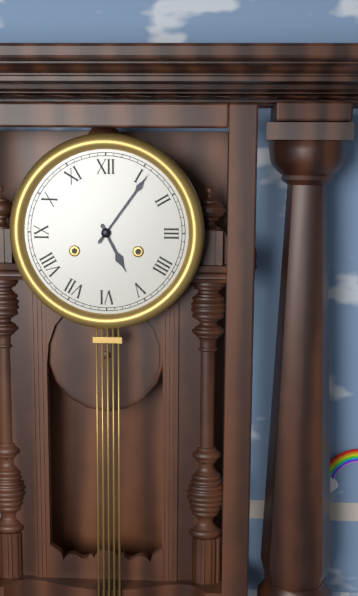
**5:06**
